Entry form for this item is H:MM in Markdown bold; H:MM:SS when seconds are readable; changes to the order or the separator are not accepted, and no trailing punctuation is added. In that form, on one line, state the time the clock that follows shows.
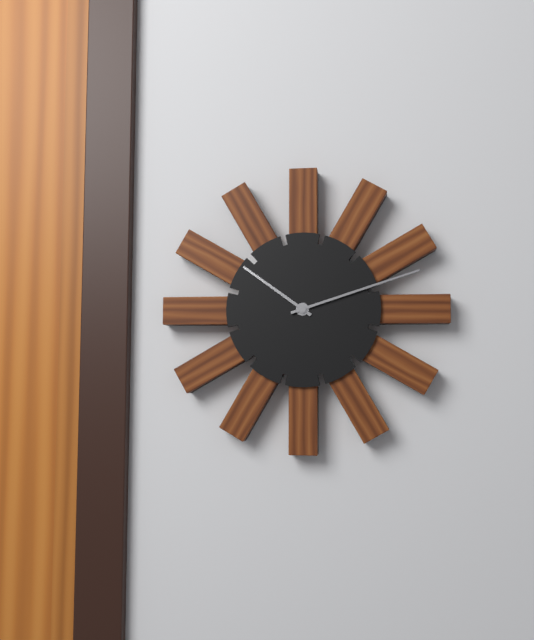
**10:12**
